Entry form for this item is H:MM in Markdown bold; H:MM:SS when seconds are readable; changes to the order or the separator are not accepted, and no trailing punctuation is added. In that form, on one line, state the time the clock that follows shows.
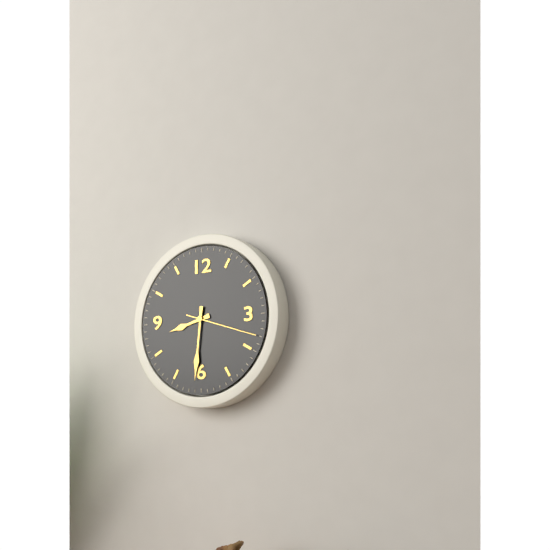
**8:31:18**
